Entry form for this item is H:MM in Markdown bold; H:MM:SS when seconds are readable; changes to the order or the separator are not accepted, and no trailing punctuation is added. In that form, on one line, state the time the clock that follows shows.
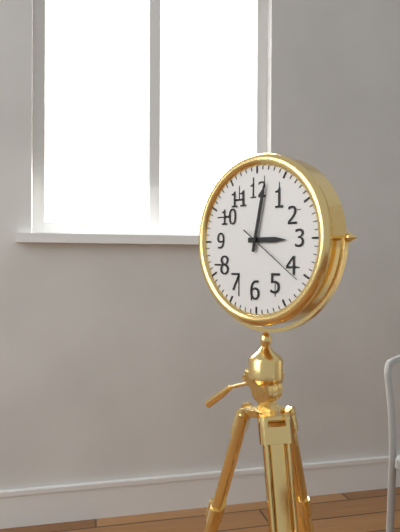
**3:02:21**
